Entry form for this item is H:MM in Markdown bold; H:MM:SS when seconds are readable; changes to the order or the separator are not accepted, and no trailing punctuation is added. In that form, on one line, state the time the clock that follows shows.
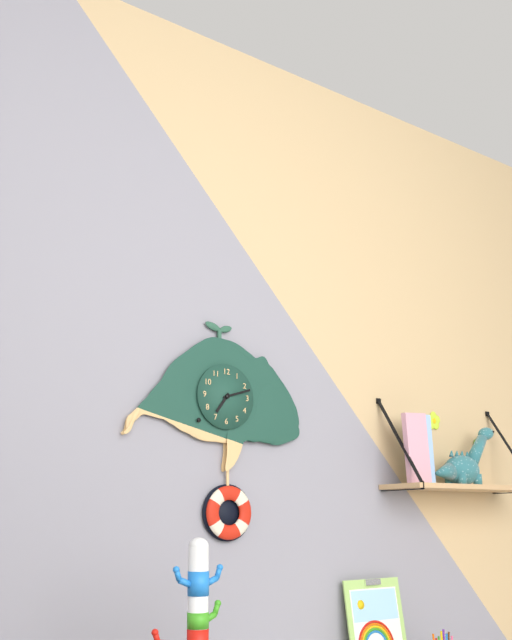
**7:12**
